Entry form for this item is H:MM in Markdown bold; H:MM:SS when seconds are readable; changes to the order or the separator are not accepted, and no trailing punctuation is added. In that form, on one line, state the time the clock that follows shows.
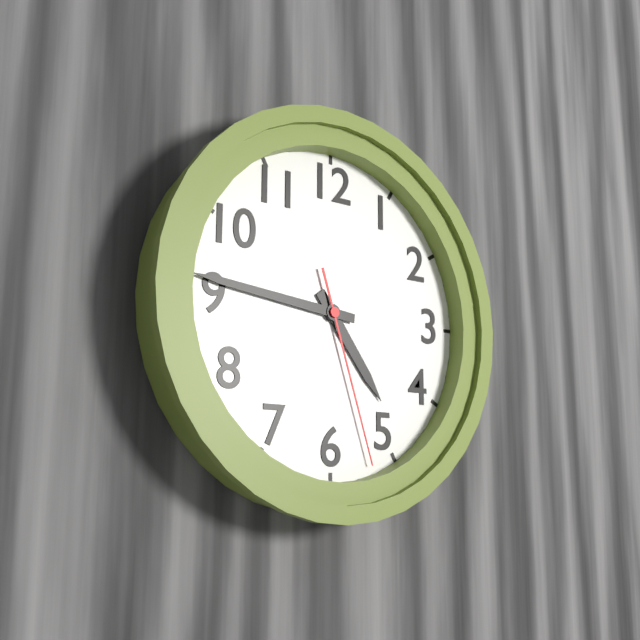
**4:46:27**
